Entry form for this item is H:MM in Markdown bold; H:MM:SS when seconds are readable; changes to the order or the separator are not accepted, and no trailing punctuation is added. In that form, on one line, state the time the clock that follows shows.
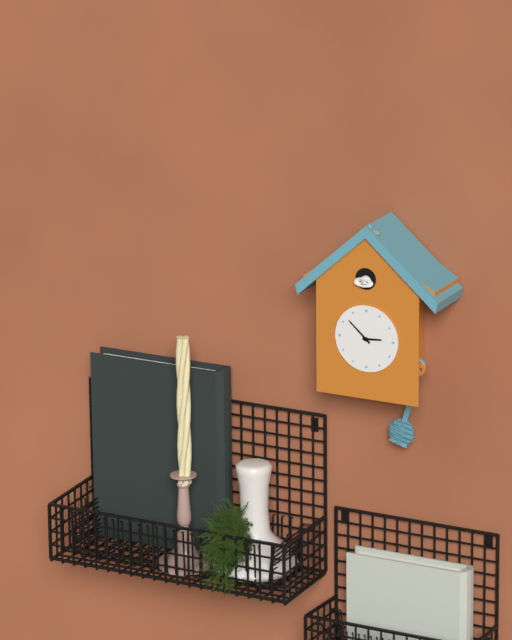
**2:52**
